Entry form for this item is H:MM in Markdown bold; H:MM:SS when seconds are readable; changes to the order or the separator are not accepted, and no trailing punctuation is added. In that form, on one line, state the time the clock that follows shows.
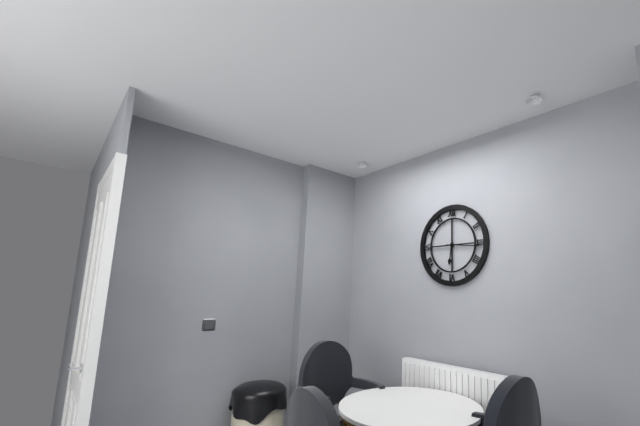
**6:16**
